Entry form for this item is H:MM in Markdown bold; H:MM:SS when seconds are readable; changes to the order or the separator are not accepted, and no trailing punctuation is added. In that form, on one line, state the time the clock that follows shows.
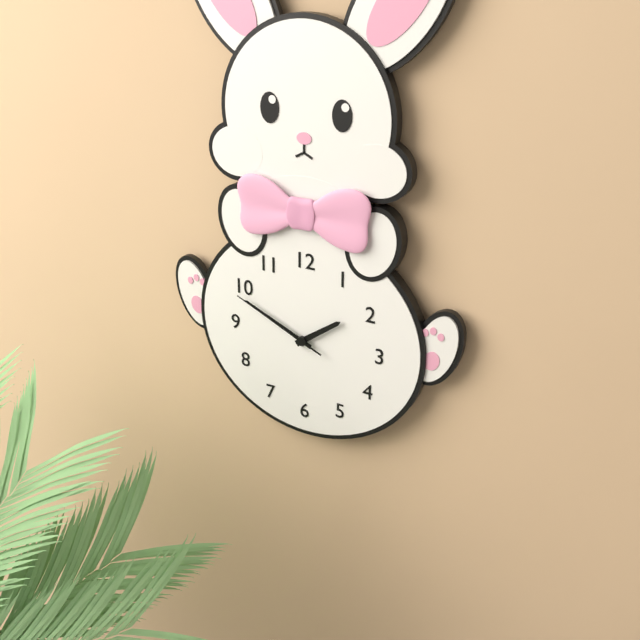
**1:49:49**
